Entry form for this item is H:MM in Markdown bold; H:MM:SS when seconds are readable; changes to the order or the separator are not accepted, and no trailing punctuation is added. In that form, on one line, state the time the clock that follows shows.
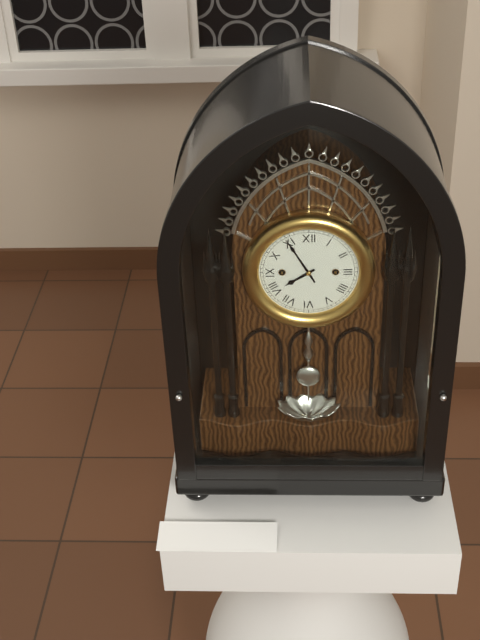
**7:55:55**
